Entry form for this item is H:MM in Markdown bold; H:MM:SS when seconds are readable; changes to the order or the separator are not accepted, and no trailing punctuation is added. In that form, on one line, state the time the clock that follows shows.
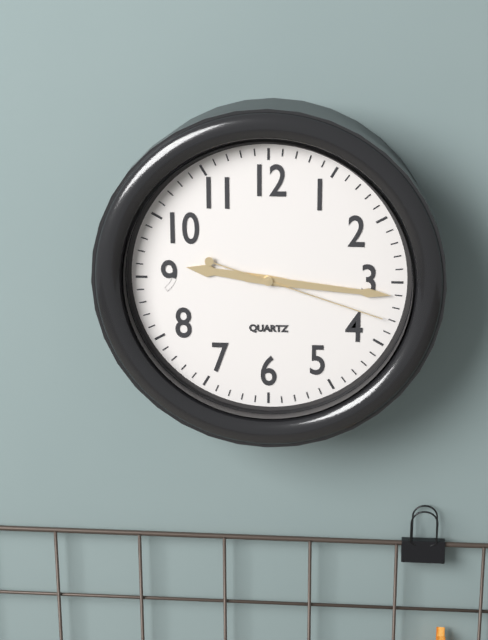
**9:16:18**
